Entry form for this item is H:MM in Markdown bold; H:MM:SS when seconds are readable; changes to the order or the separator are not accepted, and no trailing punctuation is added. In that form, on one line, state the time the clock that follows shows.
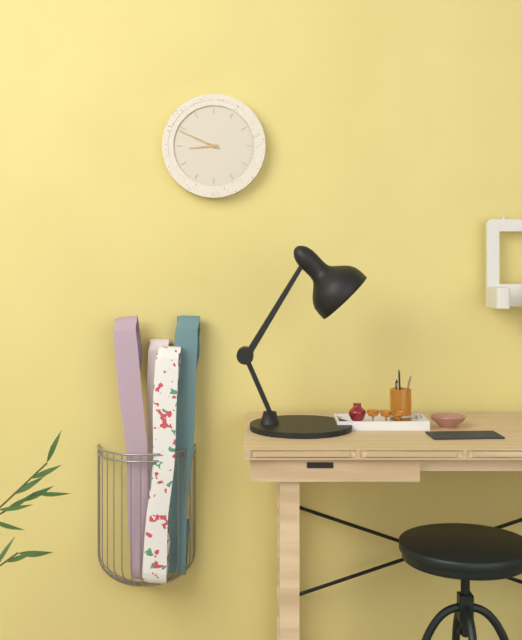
**8:49**
